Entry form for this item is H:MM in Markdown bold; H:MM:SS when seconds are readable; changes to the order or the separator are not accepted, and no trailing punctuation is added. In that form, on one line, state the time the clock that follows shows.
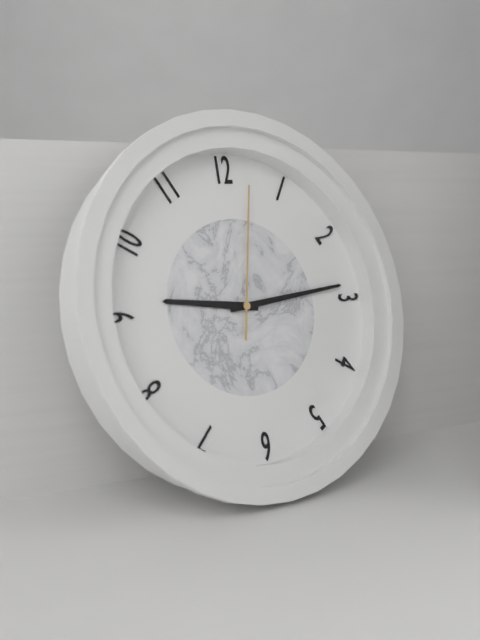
**9:14:02**
